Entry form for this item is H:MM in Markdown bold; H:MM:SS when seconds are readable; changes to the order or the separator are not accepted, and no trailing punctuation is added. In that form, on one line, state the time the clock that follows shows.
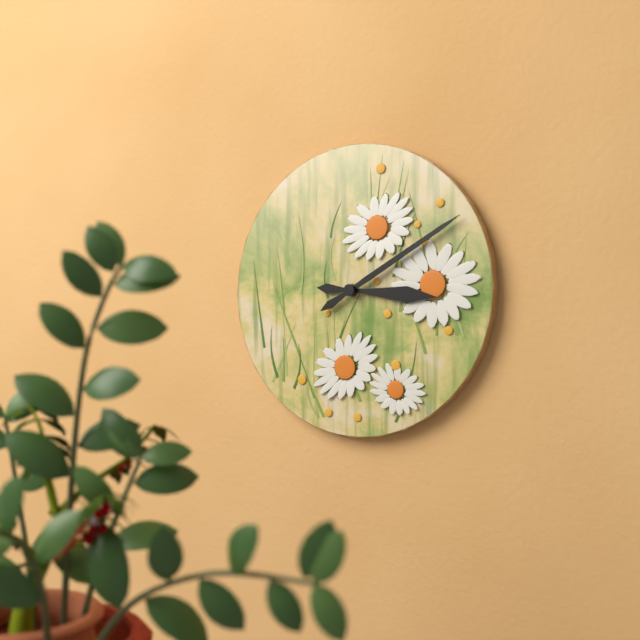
**3:10**
